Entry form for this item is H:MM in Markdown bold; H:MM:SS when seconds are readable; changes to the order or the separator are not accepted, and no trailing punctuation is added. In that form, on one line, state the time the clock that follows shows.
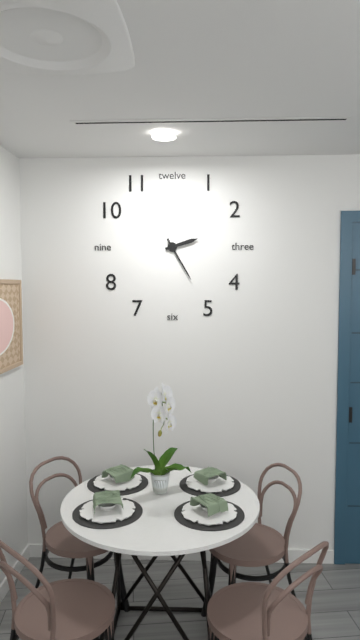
**2:25**
